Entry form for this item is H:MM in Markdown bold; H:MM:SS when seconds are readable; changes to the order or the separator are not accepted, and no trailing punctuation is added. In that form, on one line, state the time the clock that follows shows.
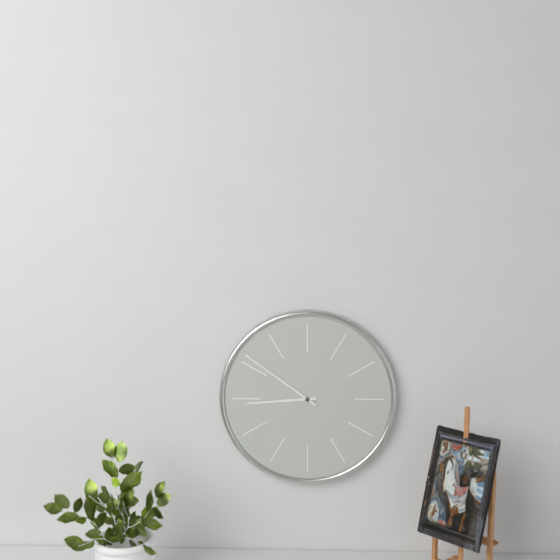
**8:51**
